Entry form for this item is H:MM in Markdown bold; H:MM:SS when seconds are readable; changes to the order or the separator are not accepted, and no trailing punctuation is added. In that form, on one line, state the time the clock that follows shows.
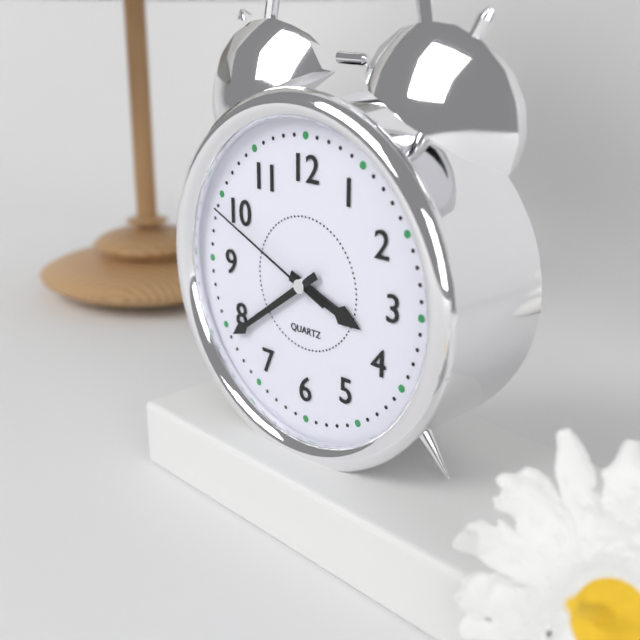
**3:39:49**
